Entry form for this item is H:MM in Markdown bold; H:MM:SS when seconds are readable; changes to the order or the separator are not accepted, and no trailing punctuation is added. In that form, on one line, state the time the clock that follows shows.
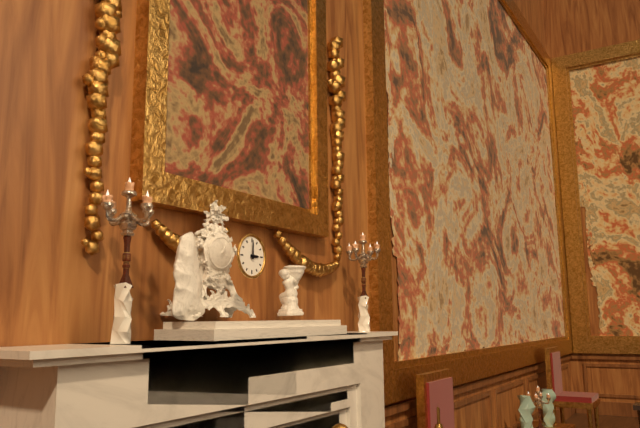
**3:00**
